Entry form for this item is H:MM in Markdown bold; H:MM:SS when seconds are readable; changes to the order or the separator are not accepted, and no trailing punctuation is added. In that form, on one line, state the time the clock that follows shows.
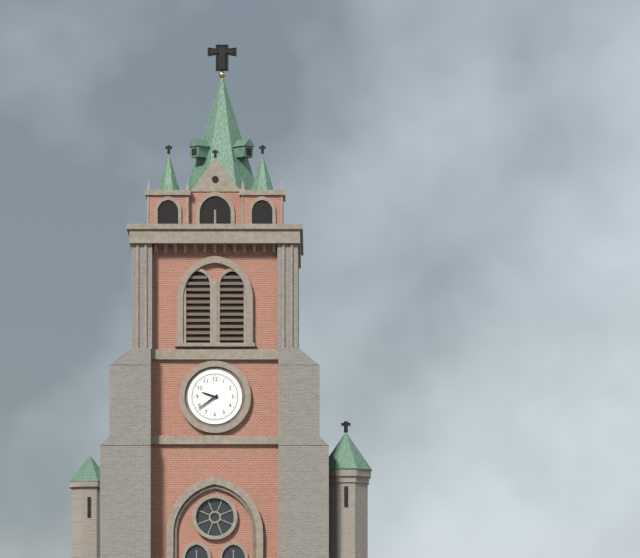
**9:39**
